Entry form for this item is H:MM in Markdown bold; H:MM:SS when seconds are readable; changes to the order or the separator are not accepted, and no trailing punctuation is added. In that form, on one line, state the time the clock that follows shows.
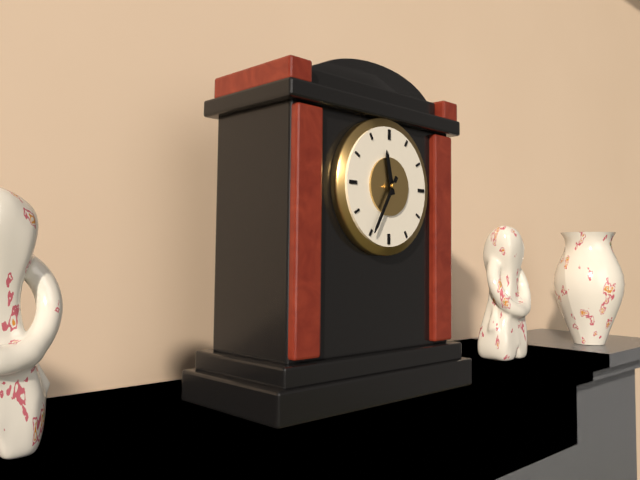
**11:35**
